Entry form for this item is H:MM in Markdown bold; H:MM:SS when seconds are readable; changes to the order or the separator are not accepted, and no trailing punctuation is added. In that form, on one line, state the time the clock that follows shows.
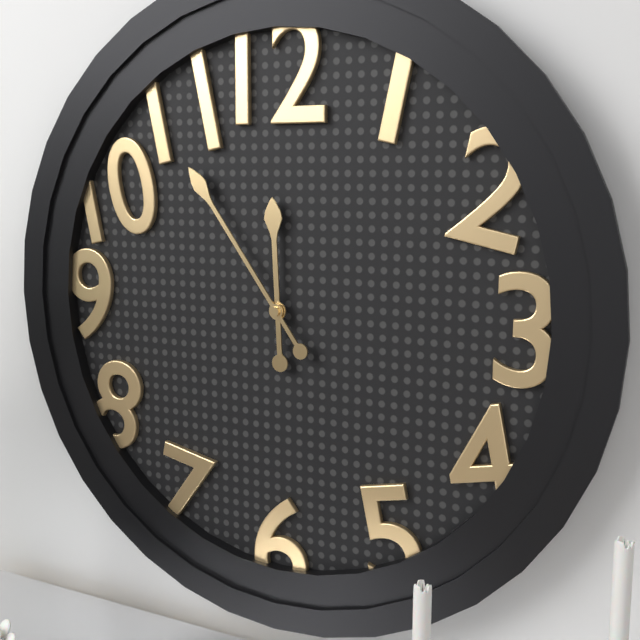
**11:54**
